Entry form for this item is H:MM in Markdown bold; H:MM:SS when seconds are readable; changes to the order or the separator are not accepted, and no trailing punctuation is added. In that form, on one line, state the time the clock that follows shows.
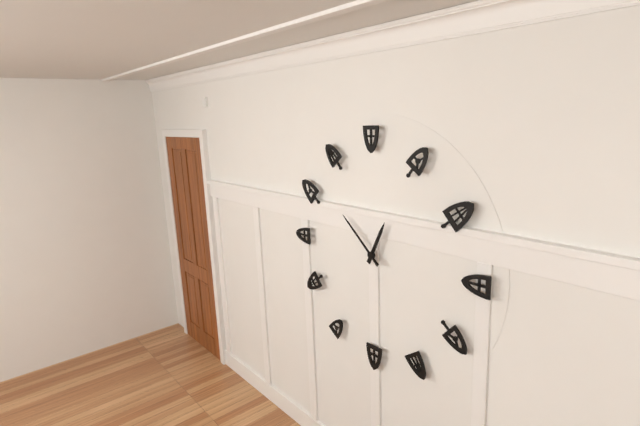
**12:52**
